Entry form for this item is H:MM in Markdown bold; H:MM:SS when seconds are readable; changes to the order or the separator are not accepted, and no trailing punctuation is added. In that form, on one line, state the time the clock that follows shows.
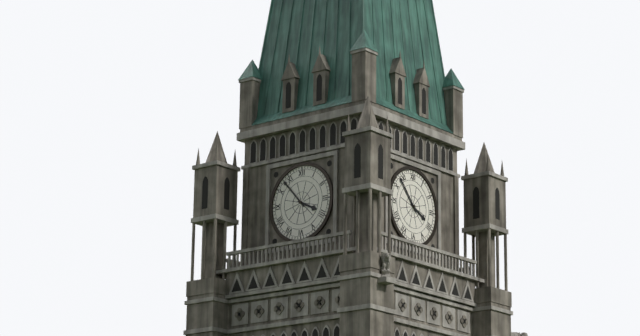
**3:53**
